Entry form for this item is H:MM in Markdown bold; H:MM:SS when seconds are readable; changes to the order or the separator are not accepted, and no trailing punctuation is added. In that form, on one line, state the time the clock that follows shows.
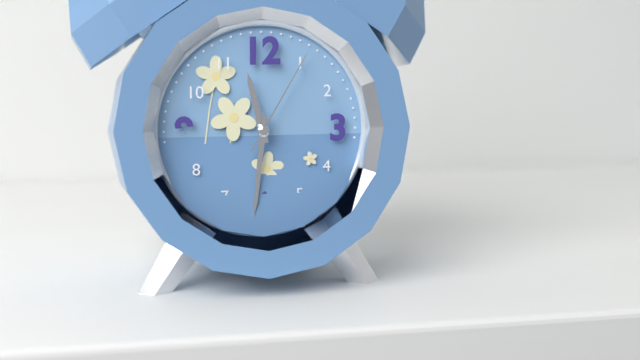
**11:31:05**
